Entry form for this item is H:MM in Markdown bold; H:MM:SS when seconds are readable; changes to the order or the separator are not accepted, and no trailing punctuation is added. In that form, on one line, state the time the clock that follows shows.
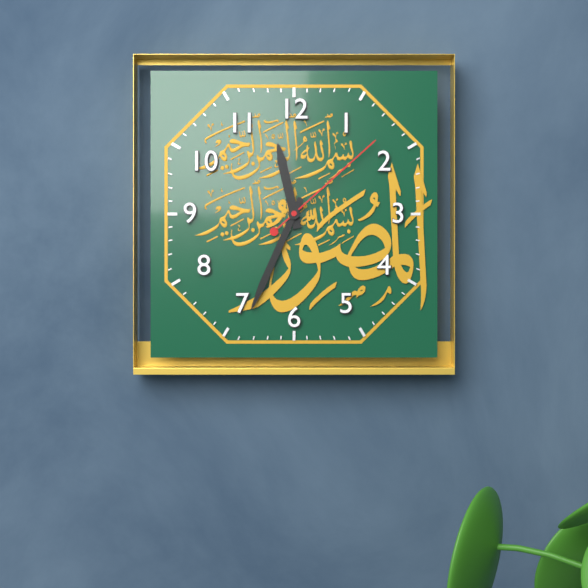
**11:34:08**
